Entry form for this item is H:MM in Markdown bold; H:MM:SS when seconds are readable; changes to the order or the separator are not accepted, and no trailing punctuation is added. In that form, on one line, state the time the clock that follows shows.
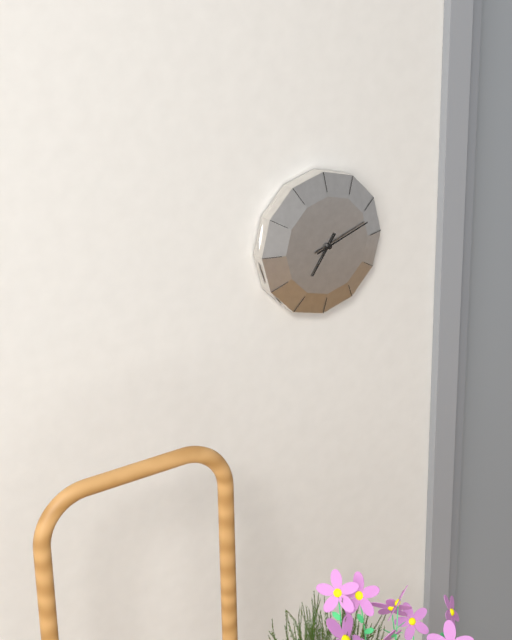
**7:12**
